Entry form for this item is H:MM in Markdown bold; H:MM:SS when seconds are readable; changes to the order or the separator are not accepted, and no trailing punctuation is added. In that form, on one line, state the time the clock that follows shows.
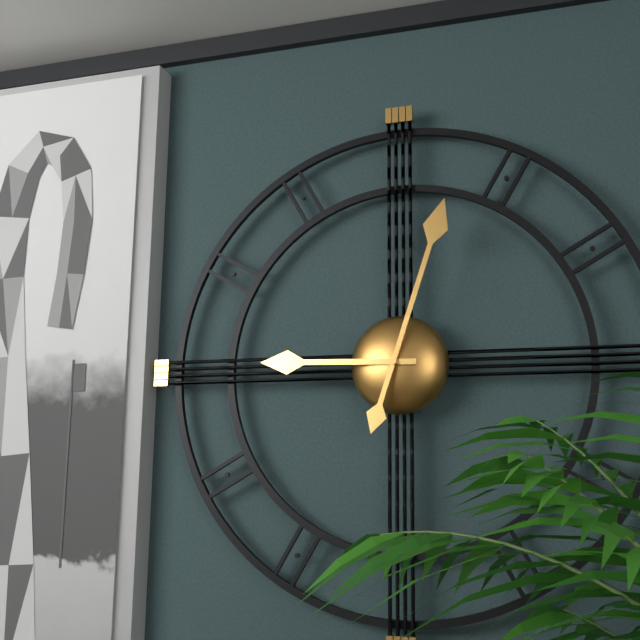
**9:03**
